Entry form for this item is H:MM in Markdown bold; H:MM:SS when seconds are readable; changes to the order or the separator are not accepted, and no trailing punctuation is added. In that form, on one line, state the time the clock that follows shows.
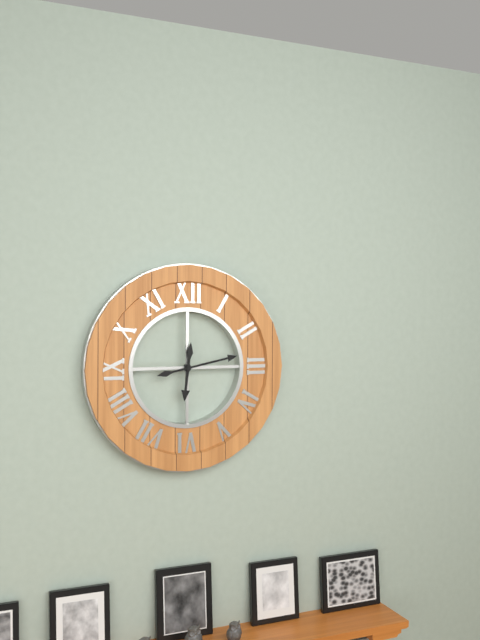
**6:13**
